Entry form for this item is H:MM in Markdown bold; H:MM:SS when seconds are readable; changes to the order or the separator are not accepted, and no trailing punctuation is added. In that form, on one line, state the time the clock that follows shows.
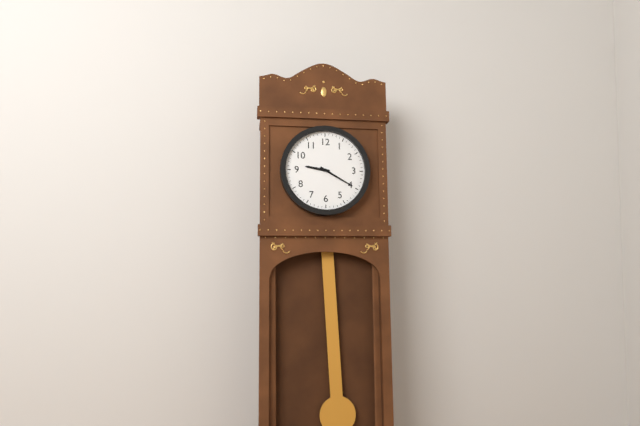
**9:20**
